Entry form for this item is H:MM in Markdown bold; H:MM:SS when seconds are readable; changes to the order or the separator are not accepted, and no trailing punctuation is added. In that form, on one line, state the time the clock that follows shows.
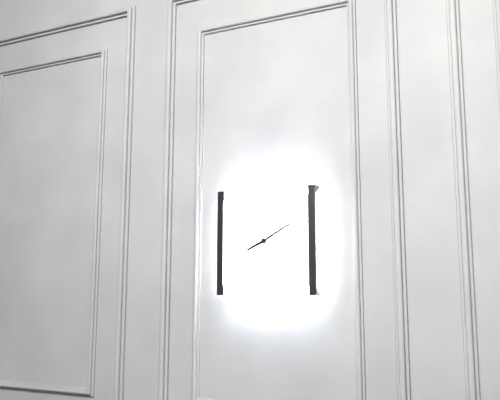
**8:10**
